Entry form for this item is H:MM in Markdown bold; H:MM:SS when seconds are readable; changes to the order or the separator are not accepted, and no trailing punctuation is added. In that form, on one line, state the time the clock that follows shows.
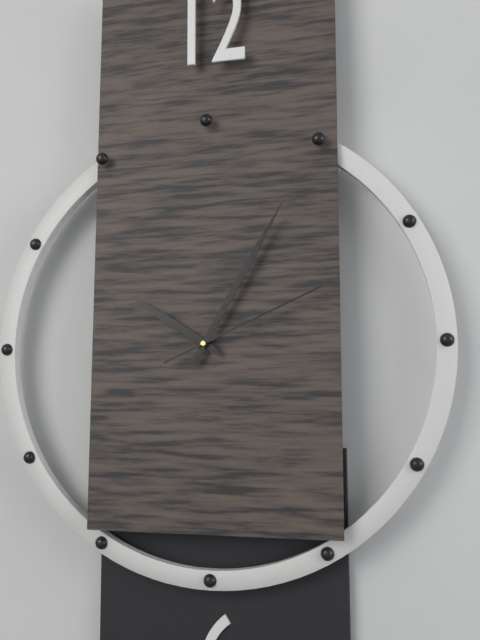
**10:05:11**
